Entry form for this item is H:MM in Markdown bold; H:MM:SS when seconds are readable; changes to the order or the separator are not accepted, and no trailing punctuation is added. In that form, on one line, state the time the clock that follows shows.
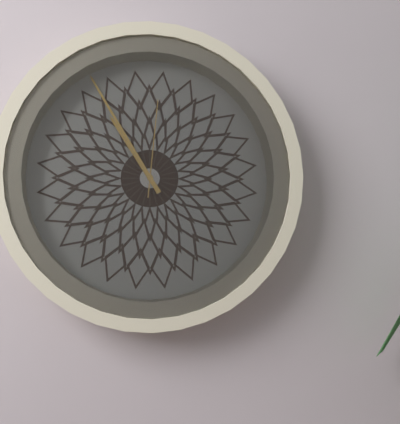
**10:55:01**
